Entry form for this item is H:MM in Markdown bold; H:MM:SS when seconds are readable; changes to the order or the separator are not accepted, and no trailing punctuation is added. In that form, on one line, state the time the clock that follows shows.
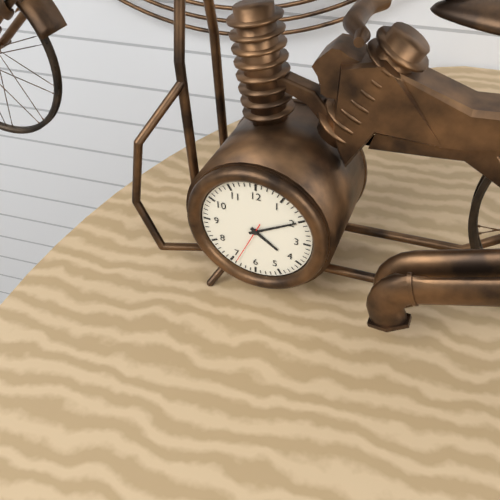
**4:10**
